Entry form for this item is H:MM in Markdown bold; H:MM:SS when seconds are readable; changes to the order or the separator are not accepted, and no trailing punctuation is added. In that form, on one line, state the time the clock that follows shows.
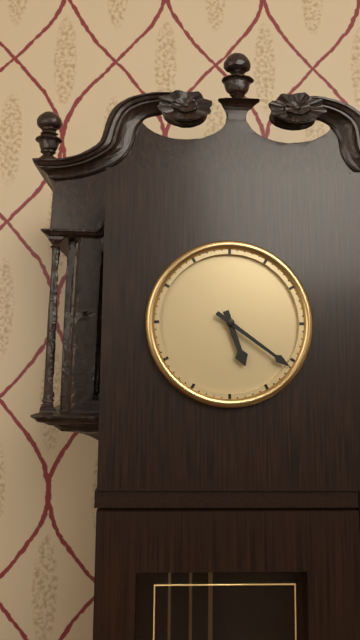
**5:21**
